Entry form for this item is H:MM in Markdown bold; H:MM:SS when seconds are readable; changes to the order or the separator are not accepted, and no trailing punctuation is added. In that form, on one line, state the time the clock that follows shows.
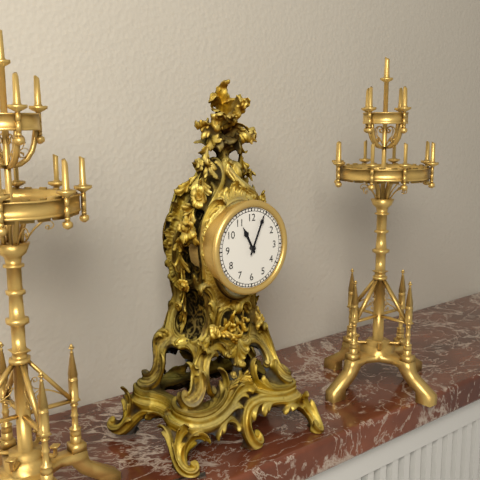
**11:04**
